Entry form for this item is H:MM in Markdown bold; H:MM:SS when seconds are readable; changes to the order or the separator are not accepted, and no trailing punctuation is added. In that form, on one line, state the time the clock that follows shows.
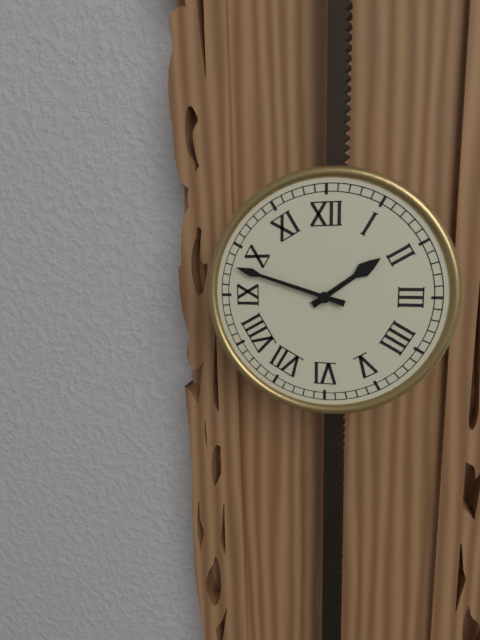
**1:48**
